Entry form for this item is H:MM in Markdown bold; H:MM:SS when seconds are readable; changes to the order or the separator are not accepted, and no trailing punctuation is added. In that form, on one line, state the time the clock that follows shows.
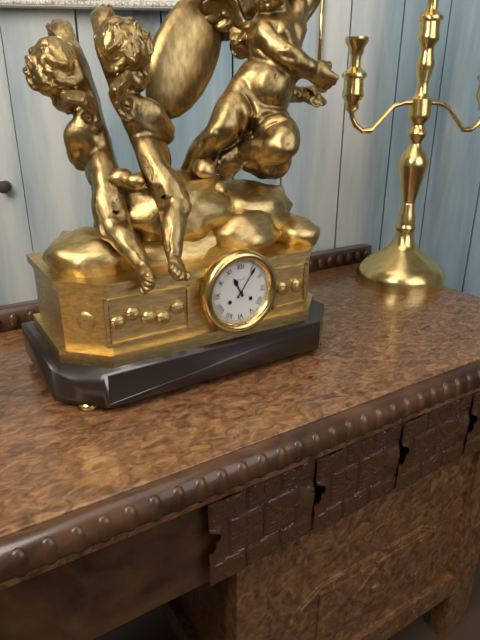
**11:06**
